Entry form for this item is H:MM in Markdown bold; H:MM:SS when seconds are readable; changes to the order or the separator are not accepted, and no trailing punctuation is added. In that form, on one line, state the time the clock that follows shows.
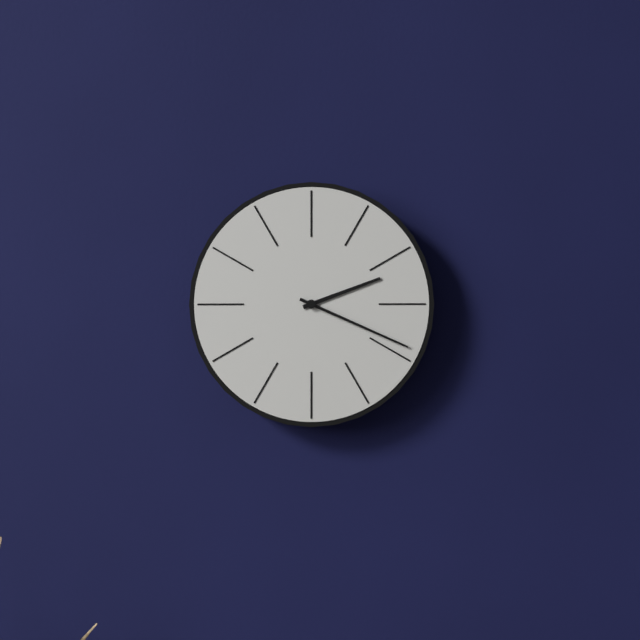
**2:19**
